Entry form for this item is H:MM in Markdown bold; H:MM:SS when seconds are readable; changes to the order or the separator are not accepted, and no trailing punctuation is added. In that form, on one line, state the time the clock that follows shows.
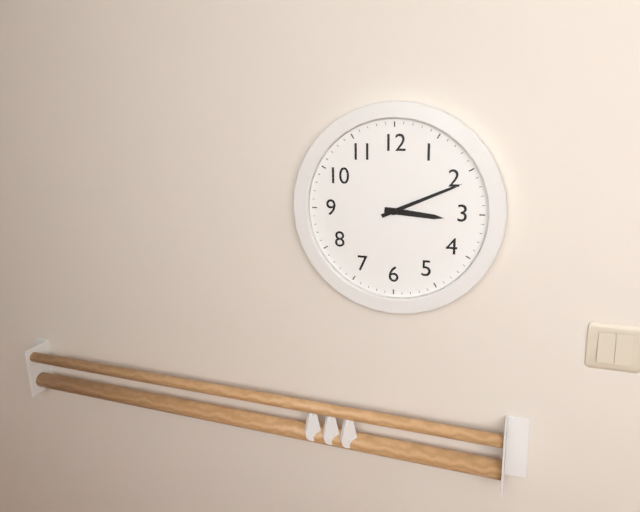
**3:11**
